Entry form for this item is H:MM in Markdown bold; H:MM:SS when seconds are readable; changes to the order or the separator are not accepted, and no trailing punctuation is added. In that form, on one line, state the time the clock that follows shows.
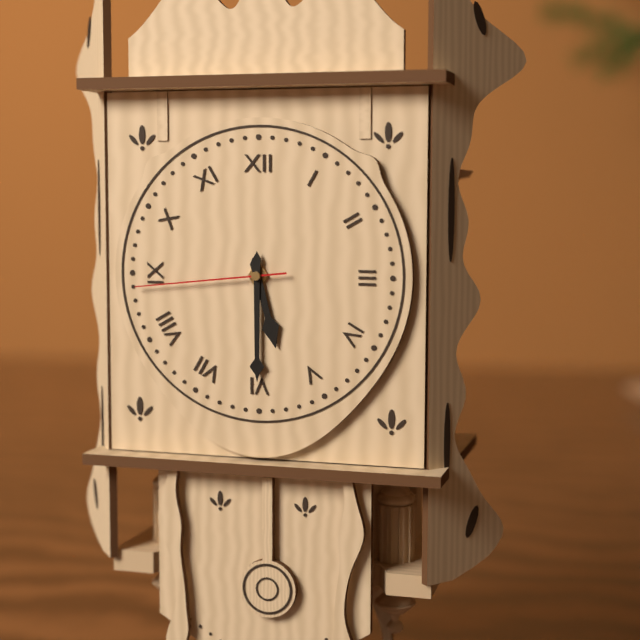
**5:30:44**
